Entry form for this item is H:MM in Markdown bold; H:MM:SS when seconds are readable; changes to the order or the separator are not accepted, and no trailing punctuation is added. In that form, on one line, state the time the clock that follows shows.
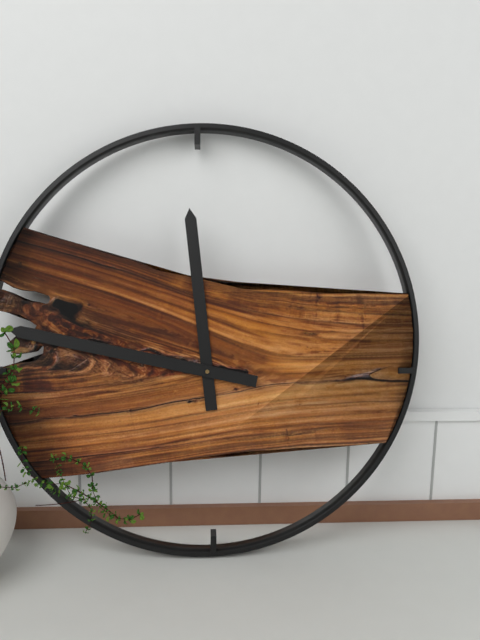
**11:47**
